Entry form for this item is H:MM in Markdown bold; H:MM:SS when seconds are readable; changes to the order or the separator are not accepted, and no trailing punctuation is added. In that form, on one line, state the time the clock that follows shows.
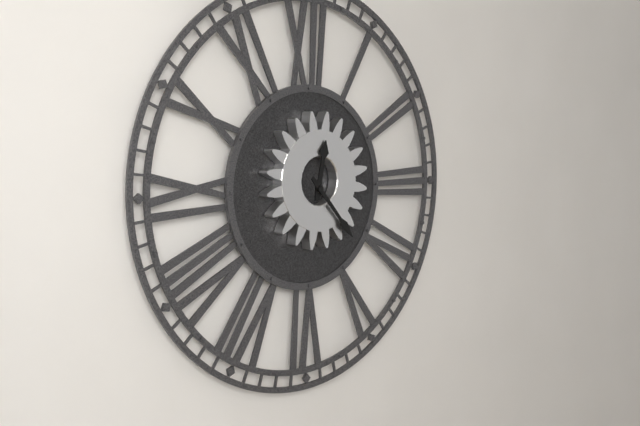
**12:23**
